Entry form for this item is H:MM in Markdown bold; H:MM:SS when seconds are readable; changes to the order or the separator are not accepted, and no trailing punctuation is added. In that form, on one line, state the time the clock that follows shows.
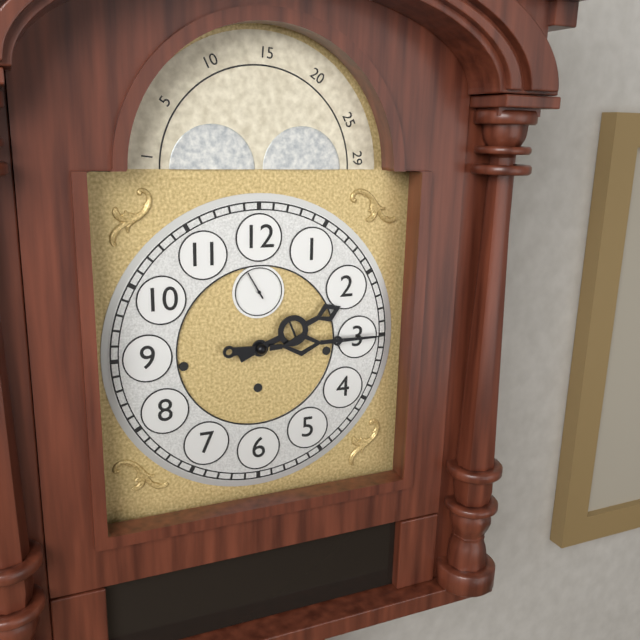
**2:15**
